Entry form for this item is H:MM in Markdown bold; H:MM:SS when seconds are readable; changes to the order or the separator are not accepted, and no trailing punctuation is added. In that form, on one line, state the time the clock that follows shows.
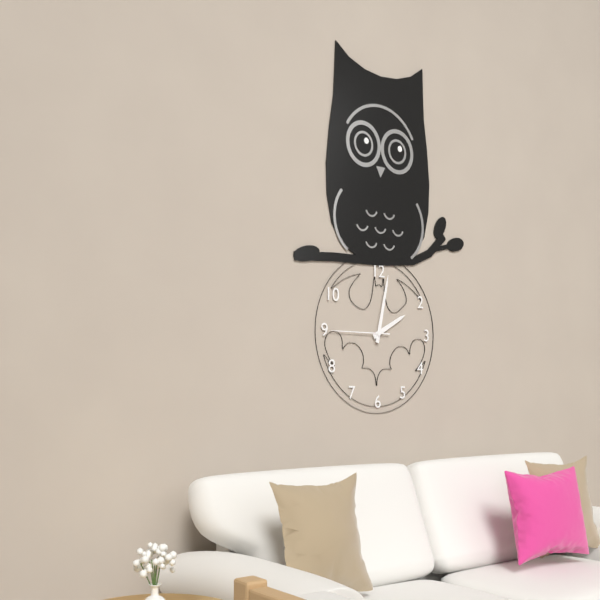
**2:02:45**
